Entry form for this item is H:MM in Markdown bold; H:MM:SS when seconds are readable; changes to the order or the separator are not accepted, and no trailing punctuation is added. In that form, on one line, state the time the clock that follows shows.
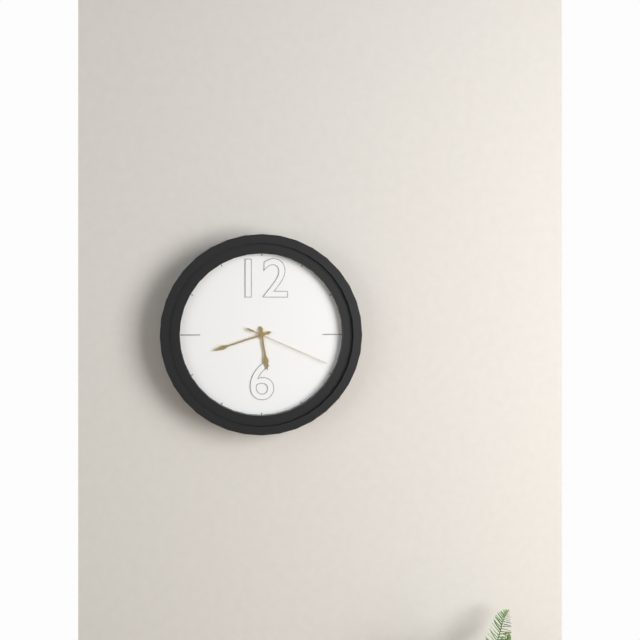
**5:42:19**
